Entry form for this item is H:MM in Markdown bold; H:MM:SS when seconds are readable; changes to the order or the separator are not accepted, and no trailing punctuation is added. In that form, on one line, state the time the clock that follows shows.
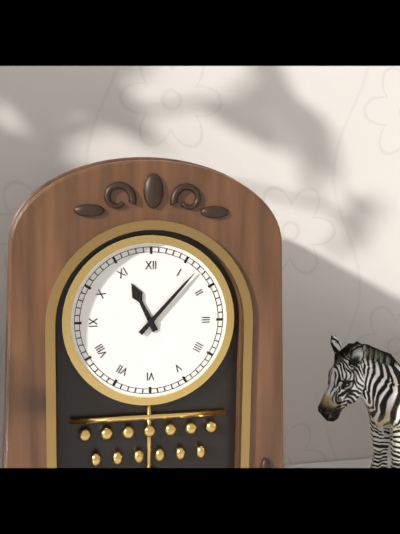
**11:07**
